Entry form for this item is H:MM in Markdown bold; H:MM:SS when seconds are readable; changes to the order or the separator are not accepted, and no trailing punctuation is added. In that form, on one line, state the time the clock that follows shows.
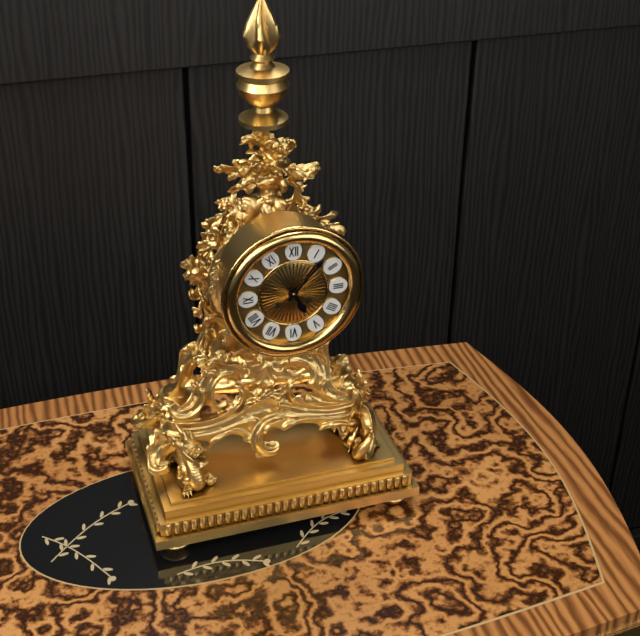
**5:07**
